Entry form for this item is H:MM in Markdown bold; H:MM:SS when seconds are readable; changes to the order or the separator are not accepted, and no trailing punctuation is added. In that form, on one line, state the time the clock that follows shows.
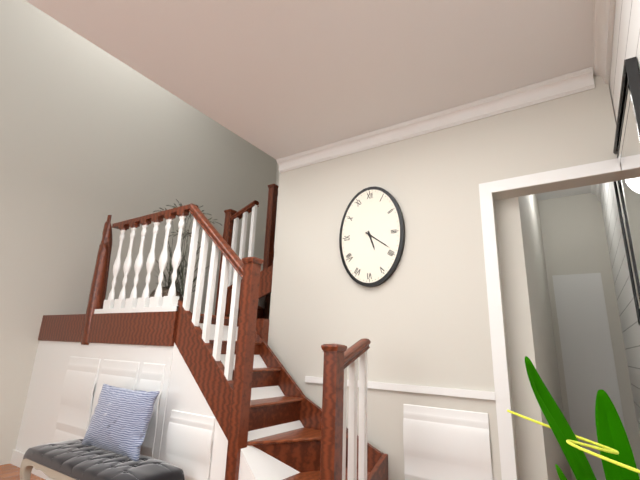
**5:21**
